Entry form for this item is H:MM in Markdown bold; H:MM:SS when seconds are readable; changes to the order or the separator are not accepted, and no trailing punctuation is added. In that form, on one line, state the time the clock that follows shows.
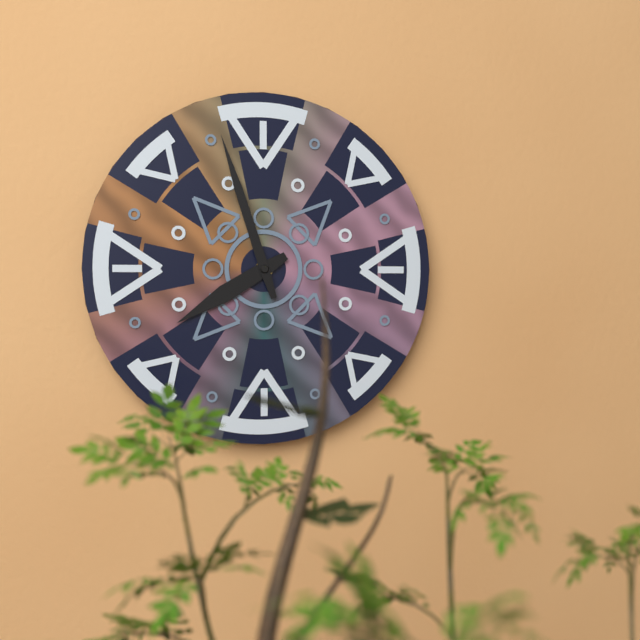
**7:57**
